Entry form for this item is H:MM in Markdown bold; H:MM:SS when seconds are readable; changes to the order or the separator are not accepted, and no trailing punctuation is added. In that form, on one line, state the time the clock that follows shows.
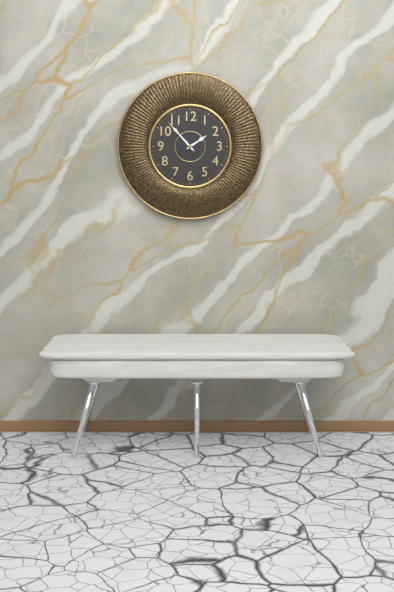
**1:53**
